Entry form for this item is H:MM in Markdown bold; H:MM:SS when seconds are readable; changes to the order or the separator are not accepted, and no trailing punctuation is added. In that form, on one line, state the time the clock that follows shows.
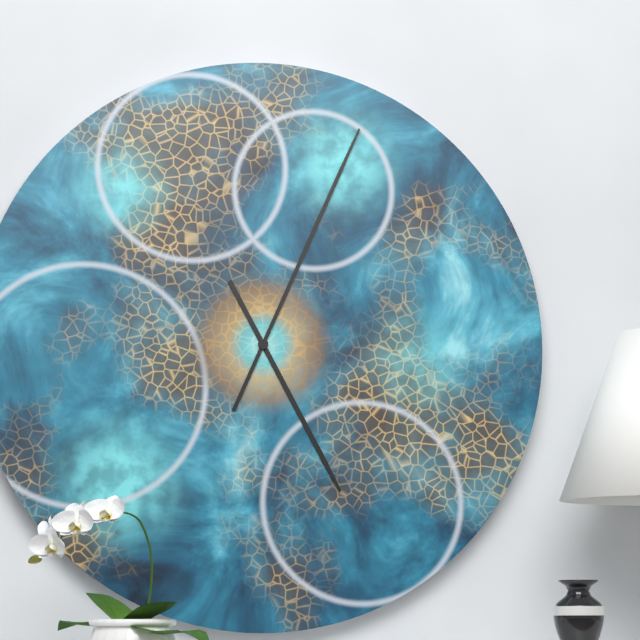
**5:04**
